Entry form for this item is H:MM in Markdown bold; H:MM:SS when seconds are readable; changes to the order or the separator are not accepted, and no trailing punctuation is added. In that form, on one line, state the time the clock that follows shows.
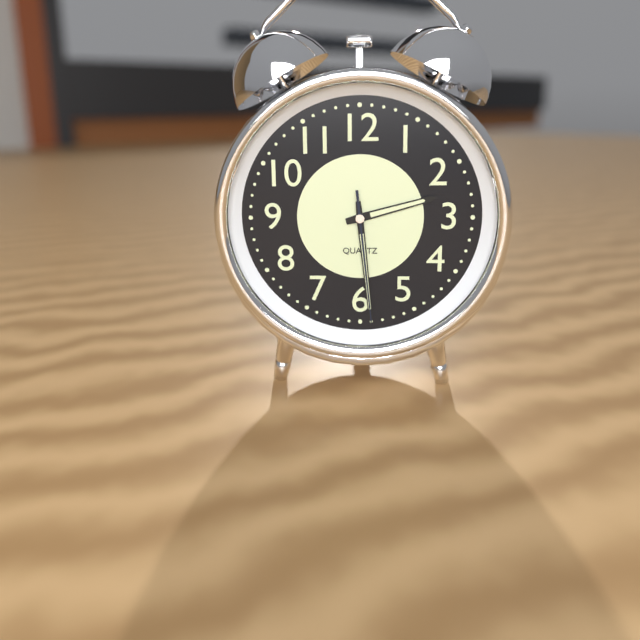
**2:29:29**
